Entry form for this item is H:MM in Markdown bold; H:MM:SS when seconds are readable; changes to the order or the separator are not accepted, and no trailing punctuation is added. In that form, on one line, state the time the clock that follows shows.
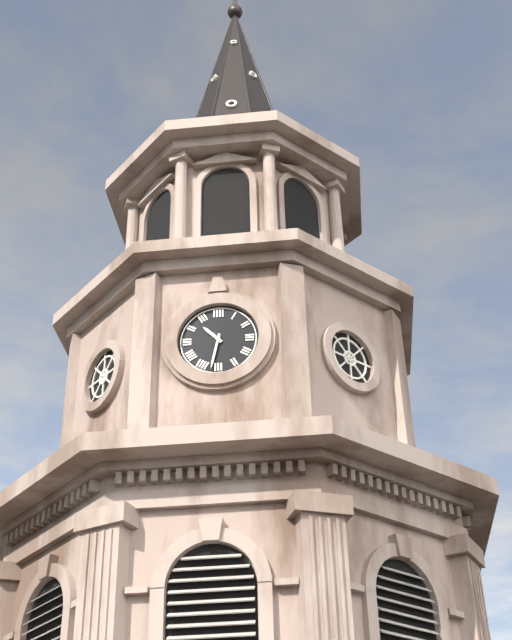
**10:32**
